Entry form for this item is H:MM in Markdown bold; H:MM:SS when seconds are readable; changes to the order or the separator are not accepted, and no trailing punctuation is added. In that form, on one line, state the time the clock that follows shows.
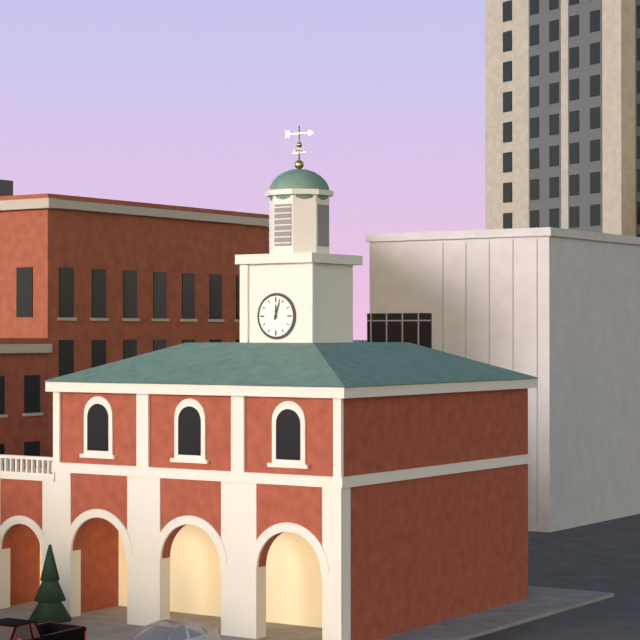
**12:03**
